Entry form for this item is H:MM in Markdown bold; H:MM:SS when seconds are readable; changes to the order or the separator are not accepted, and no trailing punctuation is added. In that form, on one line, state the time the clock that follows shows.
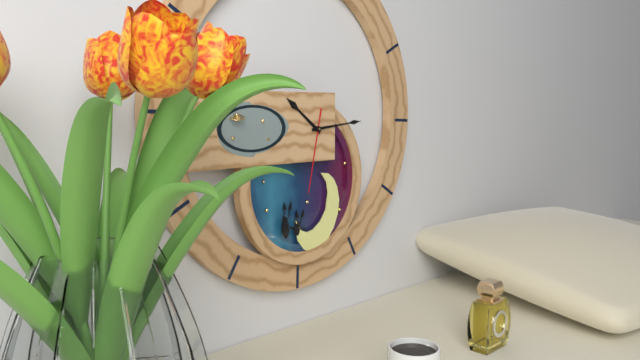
**10:14:32**
